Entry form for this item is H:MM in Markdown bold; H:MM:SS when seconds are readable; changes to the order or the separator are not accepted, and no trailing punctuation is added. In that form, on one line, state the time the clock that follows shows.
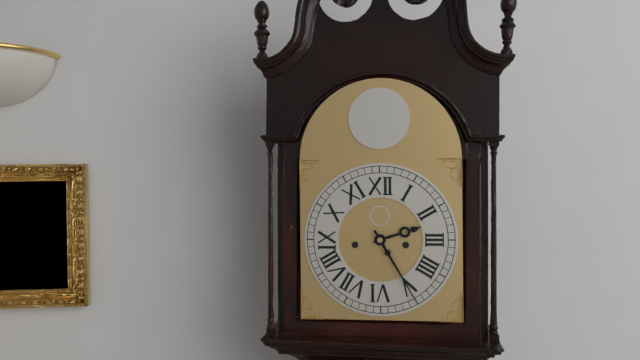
**2:25**
